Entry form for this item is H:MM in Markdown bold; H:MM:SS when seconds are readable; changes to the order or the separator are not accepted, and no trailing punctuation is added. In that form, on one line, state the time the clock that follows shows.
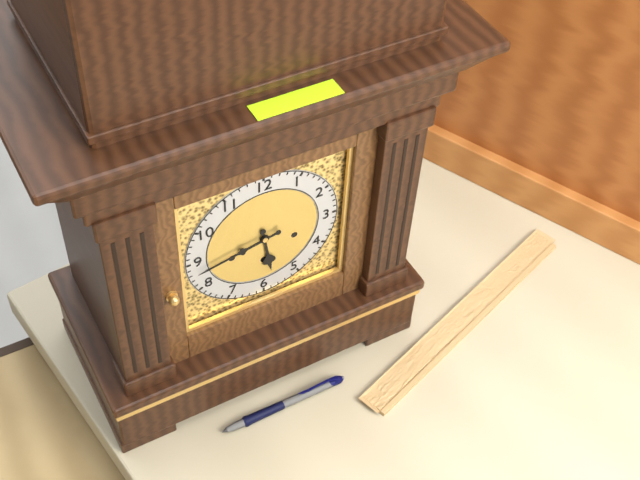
**5:43**
